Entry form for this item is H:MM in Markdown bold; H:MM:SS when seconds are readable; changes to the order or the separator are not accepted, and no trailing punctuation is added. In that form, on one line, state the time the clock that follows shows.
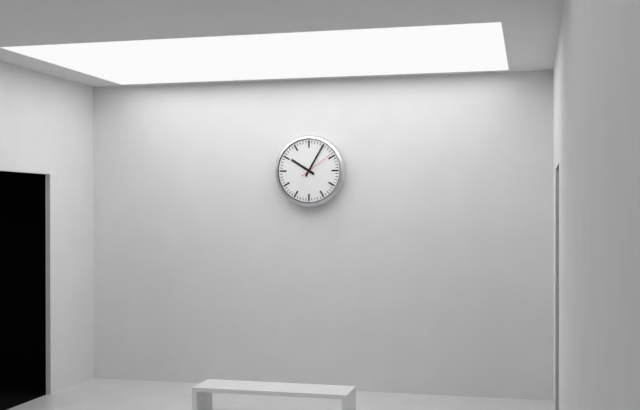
**10:05**
